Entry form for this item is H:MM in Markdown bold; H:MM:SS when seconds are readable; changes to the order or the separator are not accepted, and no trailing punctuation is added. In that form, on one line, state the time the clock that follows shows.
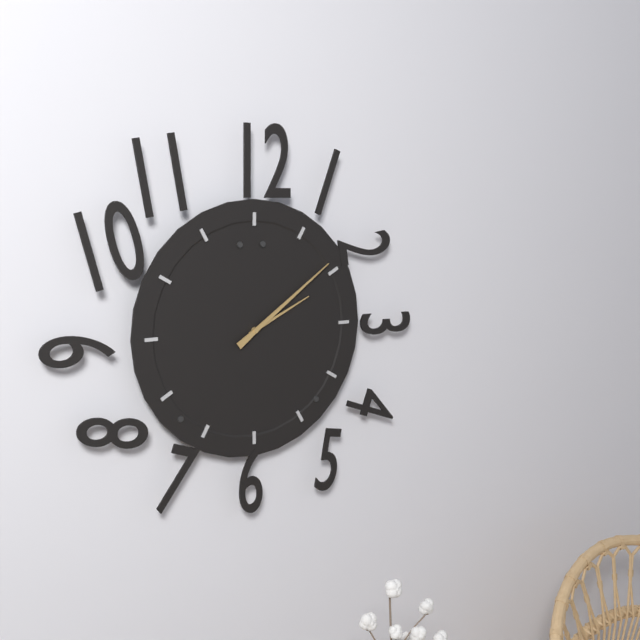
**2:09**
